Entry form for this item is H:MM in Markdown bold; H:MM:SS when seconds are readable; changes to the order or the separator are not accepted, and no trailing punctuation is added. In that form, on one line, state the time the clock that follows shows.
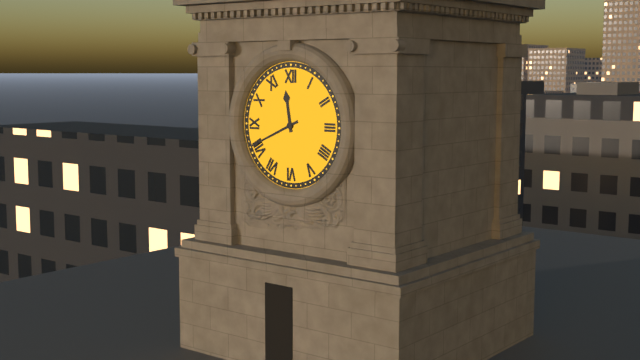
**11:41**
